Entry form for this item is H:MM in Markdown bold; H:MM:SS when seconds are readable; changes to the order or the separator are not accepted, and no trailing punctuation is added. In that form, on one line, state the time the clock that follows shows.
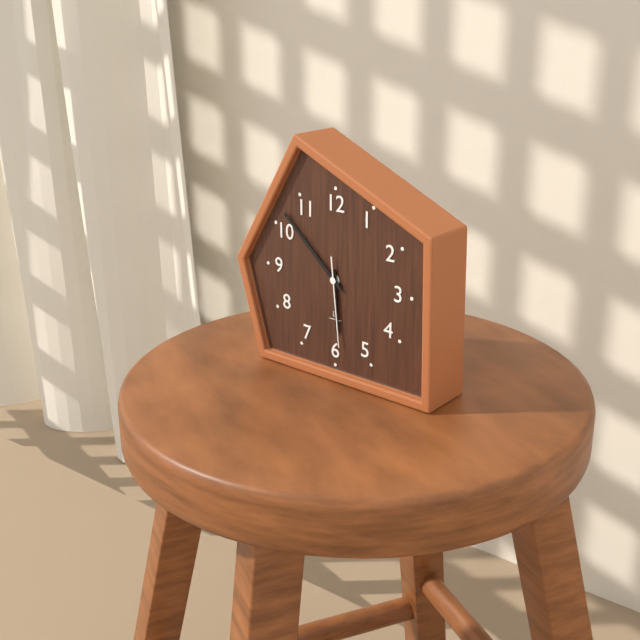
**5:52:29**
